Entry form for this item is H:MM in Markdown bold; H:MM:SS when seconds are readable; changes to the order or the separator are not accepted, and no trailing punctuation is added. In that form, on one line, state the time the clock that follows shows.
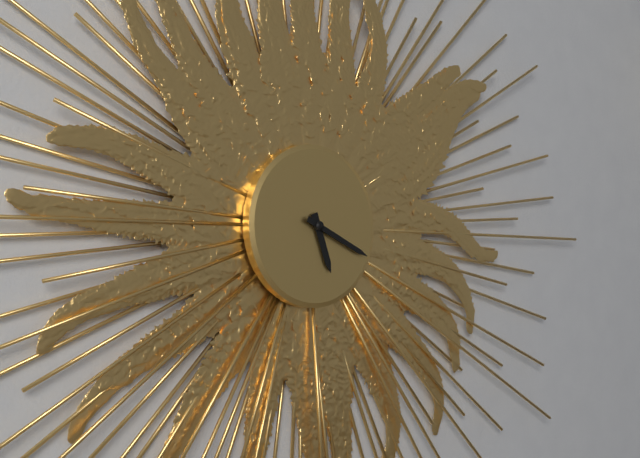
**5:19**
